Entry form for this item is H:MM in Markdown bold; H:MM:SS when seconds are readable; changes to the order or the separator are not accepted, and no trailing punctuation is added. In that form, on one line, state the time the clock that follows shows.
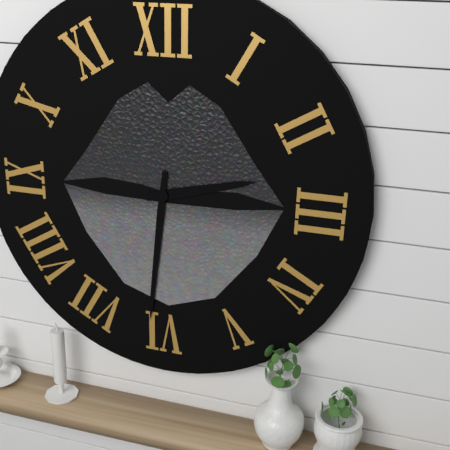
**2:31**
